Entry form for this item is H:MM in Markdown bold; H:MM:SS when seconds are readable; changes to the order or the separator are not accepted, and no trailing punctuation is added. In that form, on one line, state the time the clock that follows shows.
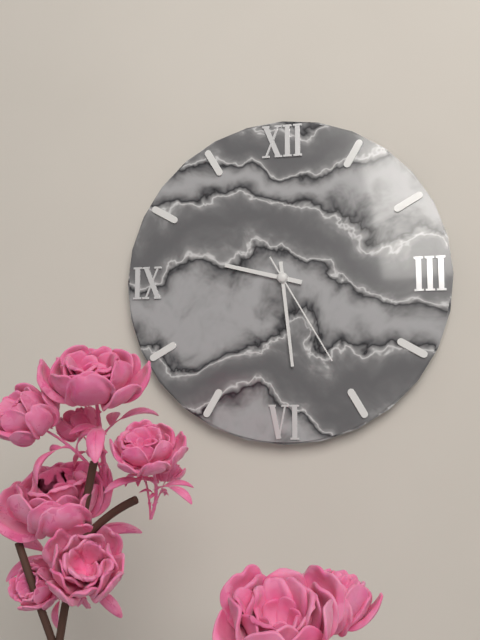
**9:29:25**
